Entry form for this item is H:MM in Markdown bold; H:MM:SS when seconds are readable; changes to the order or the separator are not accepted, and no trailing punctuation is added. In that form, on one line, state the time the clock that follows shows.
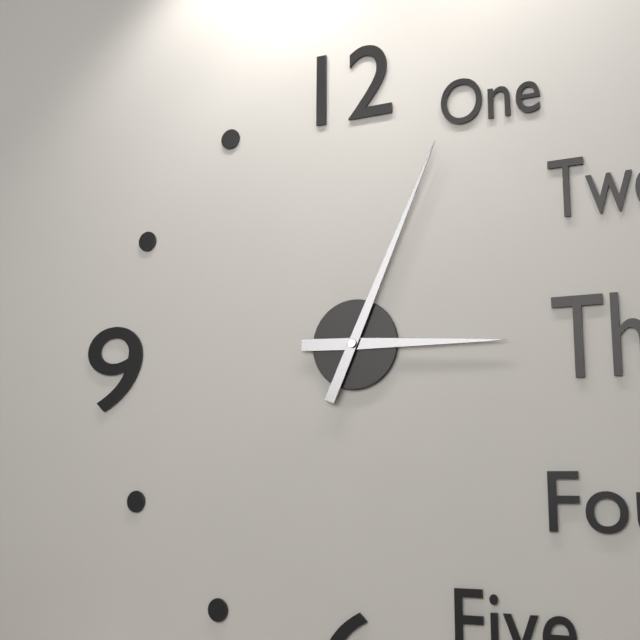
**3:04**
